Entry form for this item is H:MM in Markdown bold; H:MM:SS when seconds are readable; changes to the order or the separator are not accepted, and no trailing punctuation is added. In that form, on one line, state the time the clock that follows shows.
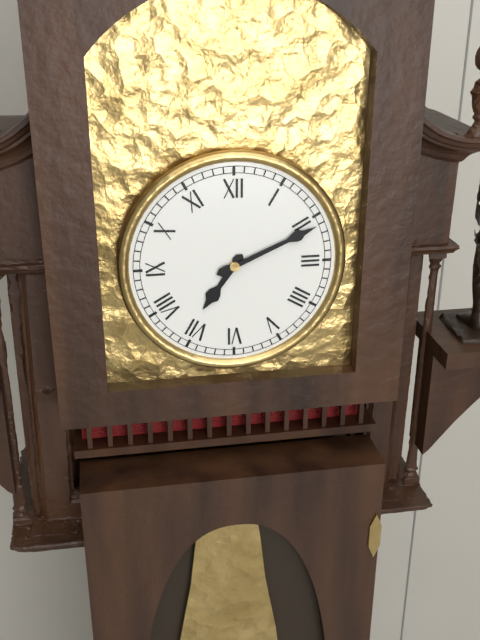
**7:11**
